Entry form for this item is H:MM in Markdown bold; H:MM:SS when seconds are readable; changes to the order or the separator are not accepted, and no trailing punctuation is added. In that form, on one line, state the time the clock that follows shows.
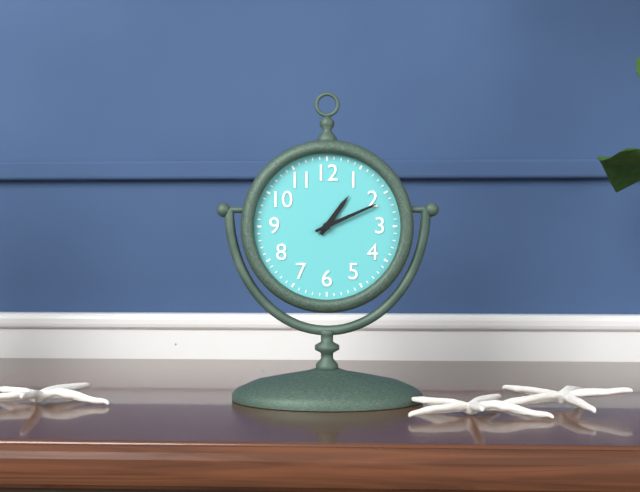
**1:11**
